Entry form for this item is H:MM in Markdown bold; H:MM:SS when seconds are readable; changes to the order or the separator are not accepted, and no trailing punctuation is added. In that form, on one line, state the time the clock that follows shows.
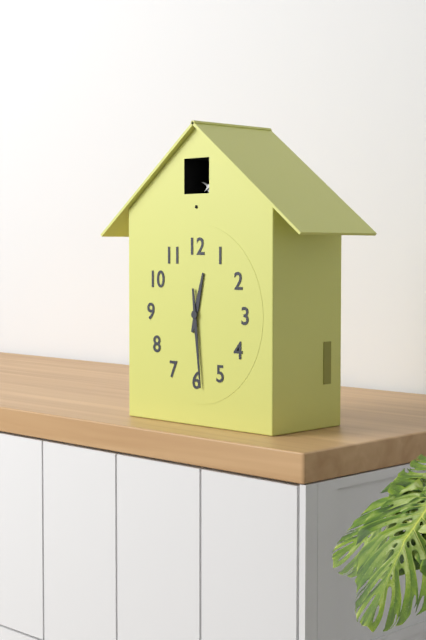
**12:29**
